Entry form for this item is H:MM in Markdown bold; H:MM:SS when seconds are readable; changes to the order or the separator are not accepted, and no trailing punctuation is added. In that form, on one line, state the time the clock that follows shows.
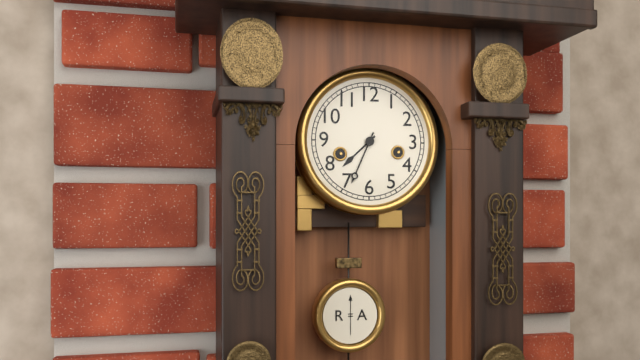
**7:34**
